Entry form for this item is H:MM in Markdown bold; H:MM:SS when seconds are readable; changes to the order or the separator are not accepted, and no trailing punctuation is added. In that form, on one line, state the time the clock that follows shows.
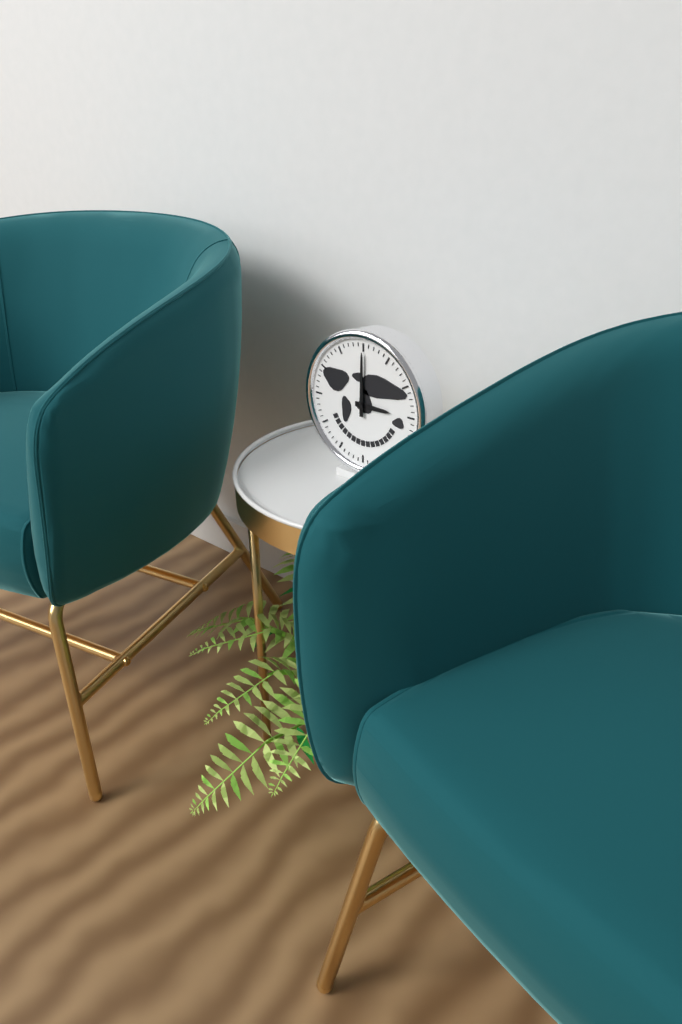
**3:00**
